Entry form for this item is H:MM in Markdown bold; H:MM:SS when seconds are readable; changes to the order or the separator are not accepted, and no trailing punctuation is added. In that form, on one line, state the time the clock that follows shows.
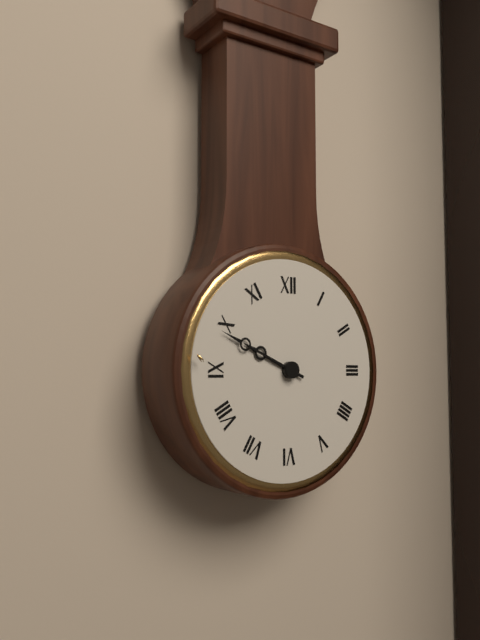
**9:49**
